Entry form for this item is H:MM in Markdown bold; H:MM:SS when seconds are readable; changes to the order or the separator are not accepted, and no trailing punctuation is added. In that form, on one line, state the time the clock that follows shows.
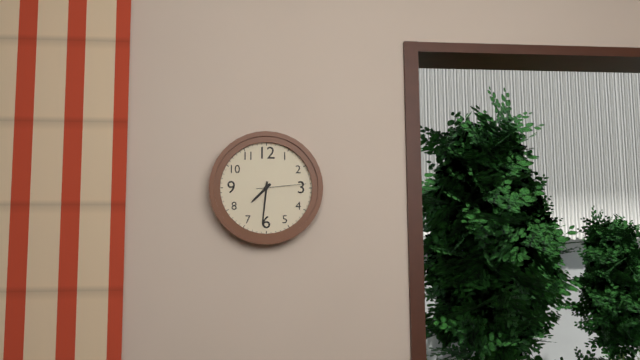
**7:31:14**
